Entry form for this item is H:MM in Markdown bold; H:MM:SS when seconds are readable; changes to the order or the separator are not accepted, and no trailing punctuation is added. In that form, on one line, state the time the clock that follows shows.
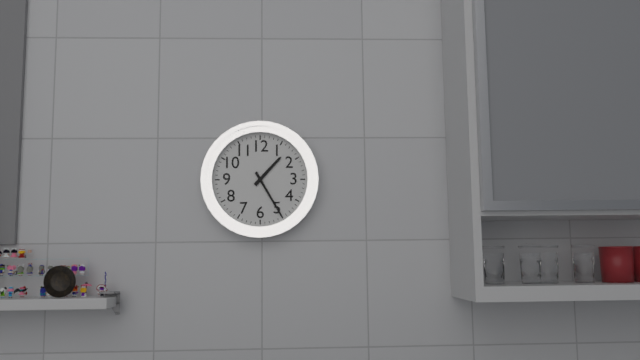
**1:25**
